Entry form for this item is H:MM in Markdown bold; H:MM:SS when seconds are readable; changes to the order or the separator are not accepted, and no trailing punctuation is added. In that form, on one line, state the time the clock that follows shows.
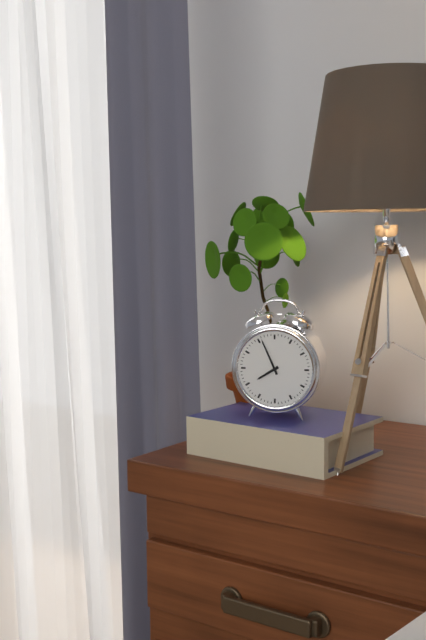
**7:56**
